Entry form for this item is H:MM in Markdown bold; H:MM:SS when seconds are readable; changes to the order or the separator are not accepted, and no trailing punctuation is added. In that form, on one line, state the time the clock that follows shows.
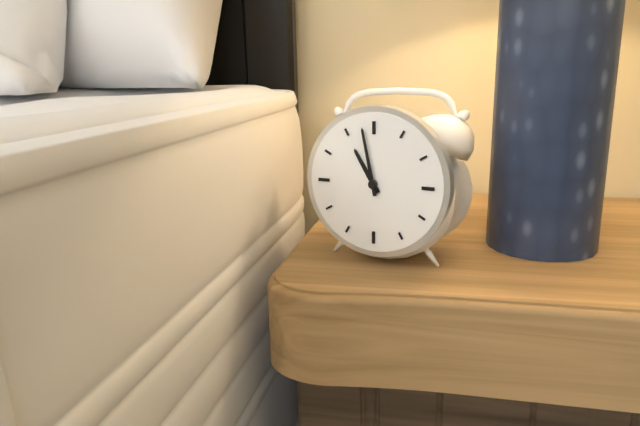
**10:58**
